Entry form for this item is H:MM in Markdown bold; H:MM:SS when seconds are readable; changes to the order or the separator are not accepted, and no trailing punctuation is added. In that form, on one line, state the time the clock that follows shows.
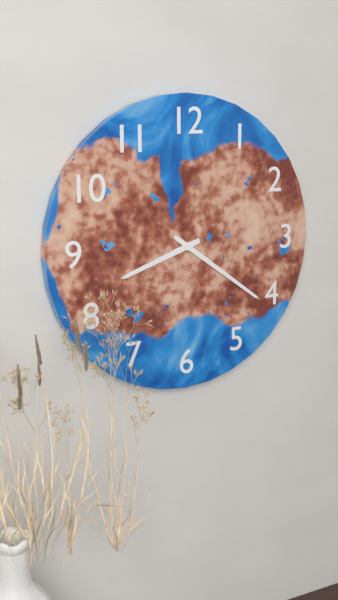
**8:21**
